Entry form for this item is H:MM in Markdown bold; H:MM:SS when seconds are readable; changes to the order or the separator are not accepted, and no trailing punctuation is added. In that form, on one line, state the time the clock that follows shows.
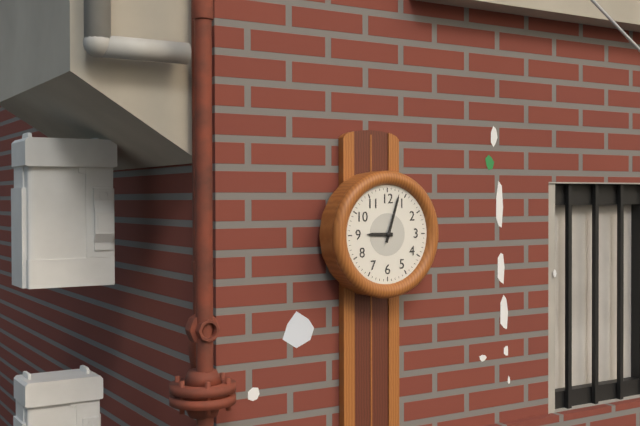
**9:03**
